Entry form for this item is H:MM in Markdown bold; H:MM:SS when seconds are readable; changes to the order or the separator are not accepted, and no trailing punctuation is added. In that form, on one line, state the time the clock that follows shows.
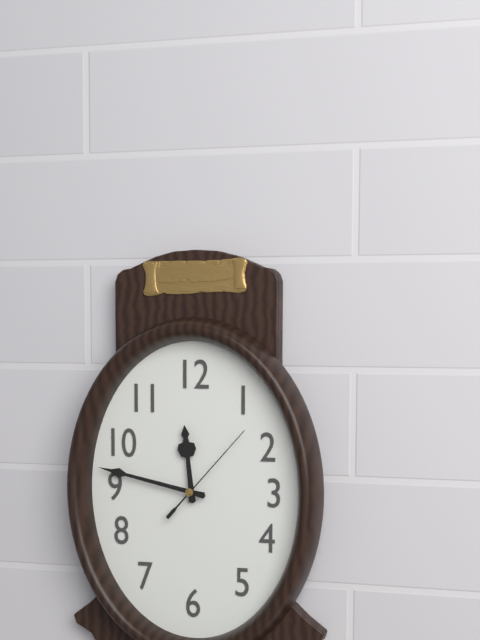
**11:47:07**
